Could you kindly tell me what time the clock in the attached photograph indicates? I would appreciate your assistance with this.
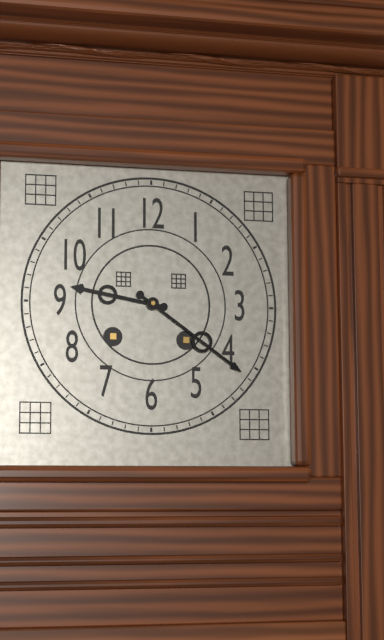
9:21
